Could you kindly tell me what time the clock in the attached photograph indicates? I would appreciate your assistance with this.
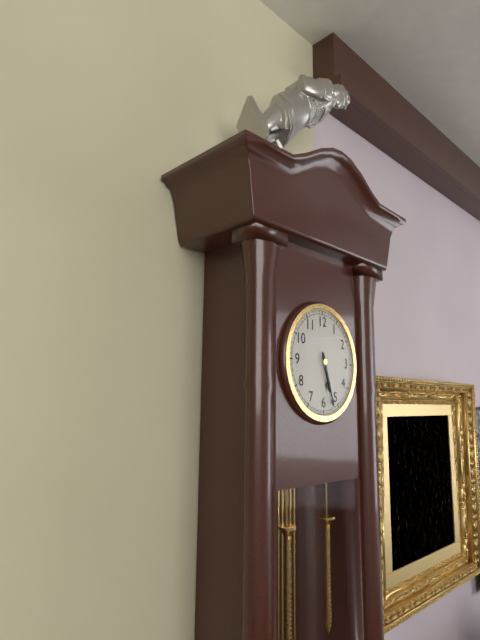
5:27
